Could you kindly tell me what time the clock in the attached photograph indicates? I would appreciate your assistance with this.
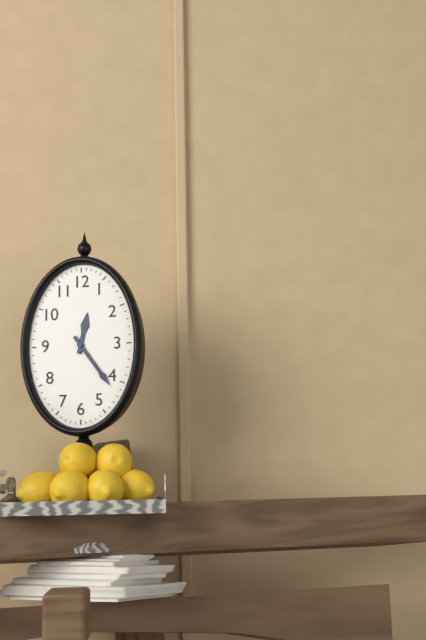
12:24
